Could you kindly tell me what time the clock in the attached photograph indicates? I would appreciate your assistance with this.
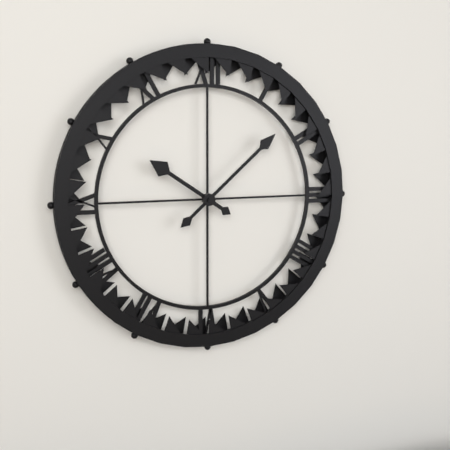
10:08
